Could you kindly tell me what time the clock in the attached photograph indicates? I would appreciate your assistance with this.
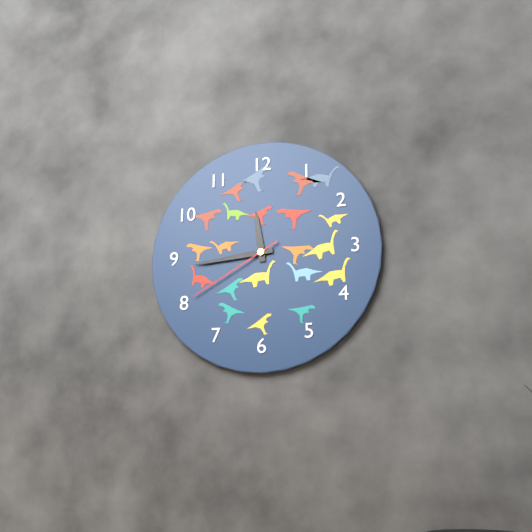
11:44:40
